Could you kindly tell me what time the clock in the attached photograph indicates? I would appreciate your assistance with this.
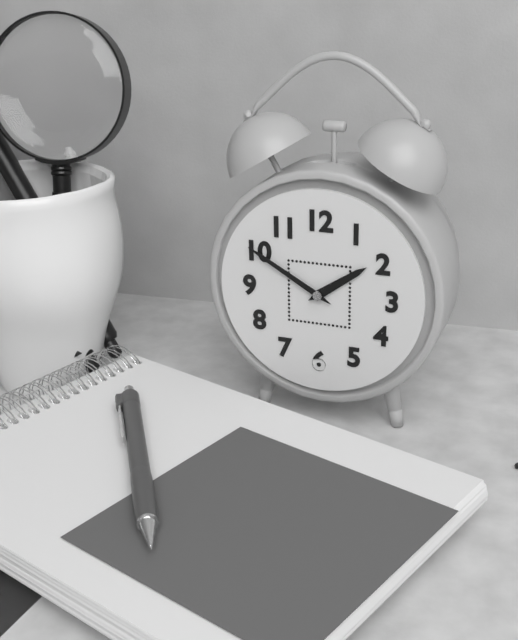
1:50
